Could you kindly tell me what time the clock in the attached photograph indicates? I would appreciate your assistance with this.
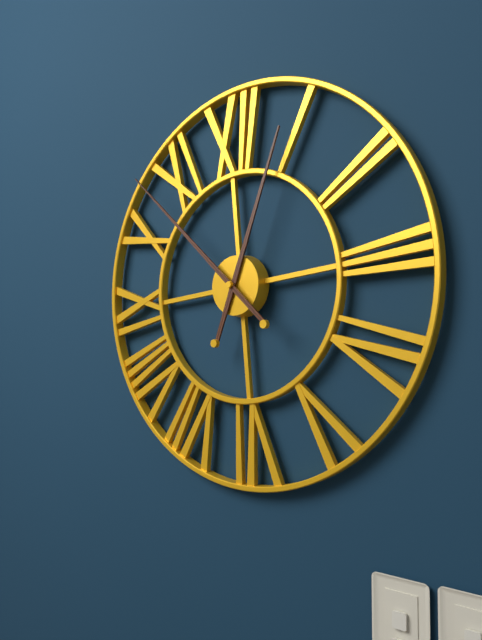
12:53
